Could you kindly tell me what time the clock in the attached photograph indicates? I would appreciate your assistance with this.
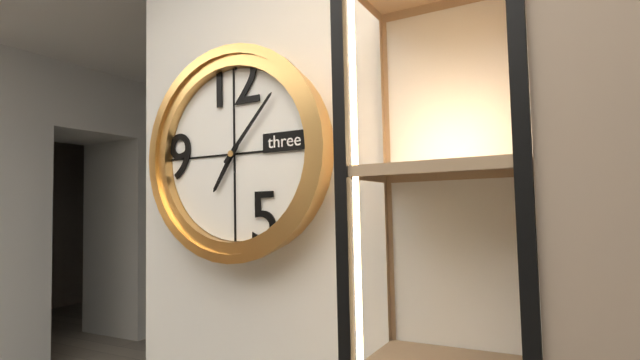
7:07
